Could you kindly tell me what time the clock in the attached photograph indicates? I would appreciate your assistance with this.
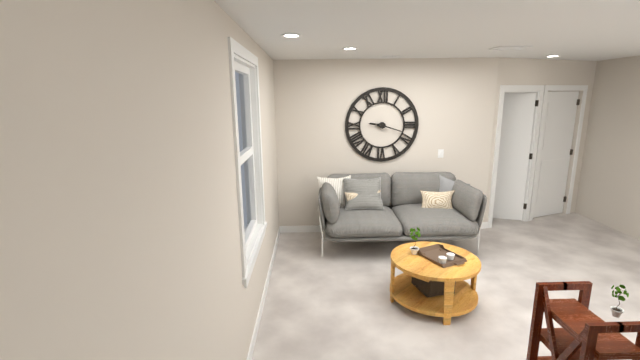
9:18
